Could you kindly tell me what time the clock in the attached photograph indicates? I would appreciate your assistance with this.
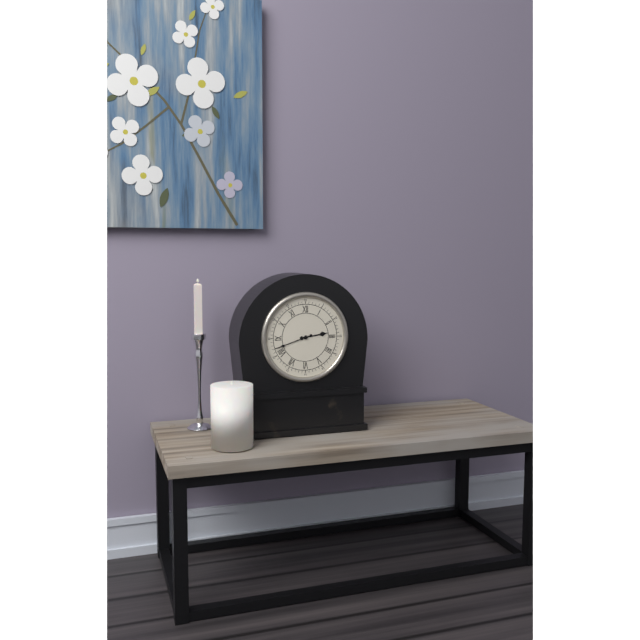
2:42
